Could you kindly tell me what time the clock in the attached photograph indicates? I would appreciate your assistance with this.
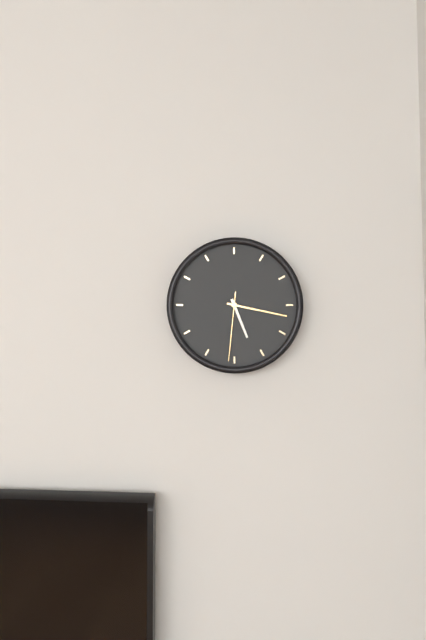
5:17:31
